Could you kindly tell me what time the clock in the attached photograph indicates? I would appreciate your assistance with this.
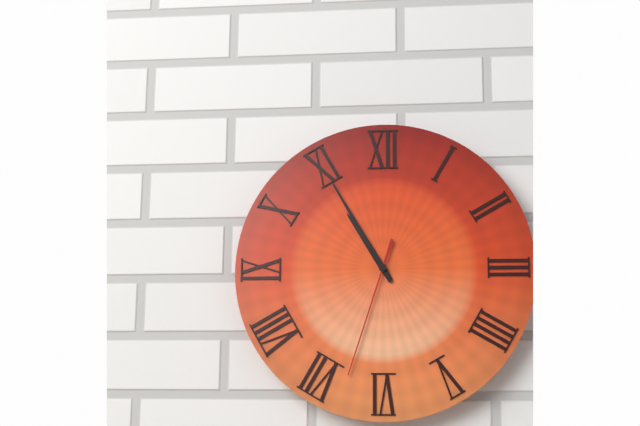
10:55:33
